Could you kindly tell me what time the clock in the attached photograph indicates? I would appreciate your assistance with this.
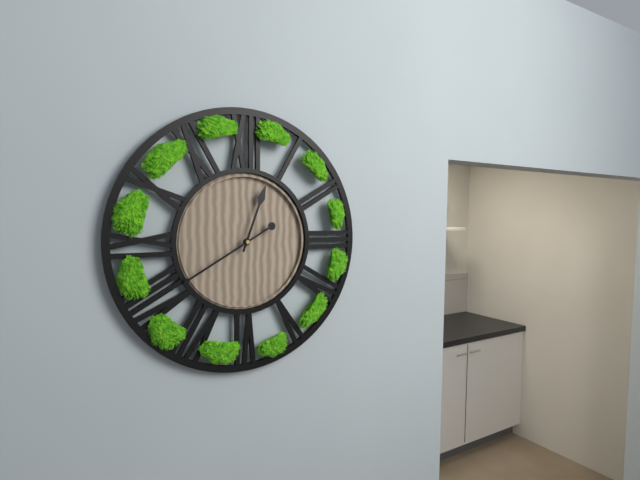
12:40
